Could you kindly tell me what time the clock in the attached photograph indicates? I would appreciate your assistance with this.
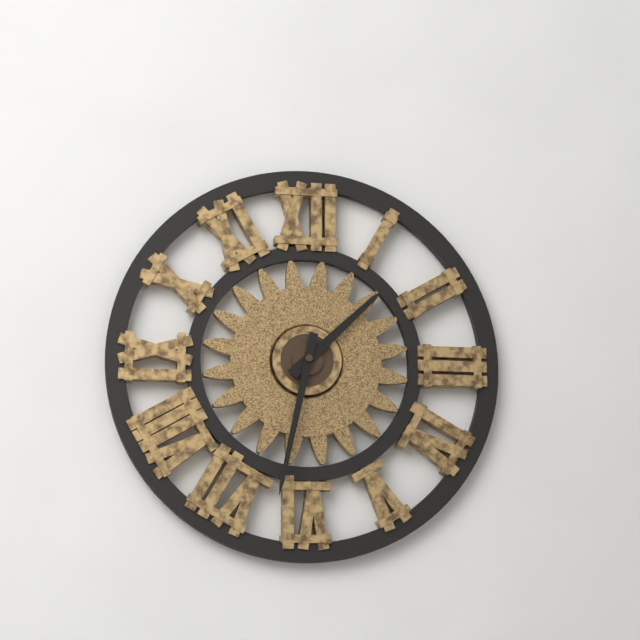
1:32
